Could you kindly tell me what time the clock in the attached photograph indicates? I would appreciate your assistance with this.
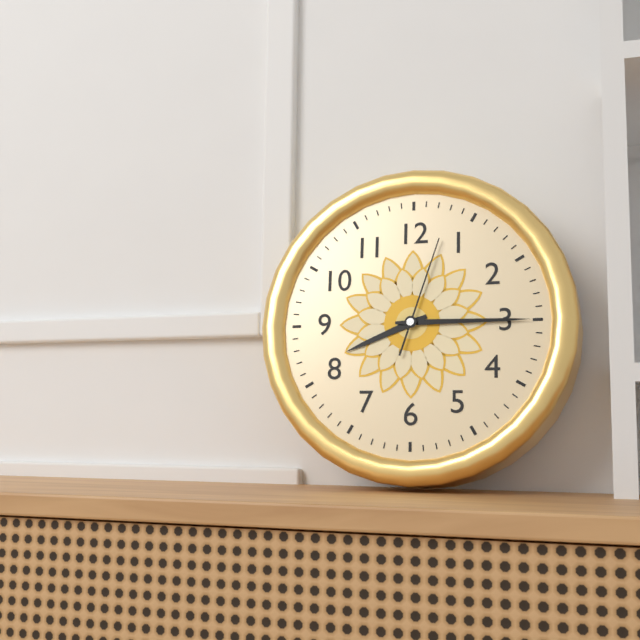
8:15:03
